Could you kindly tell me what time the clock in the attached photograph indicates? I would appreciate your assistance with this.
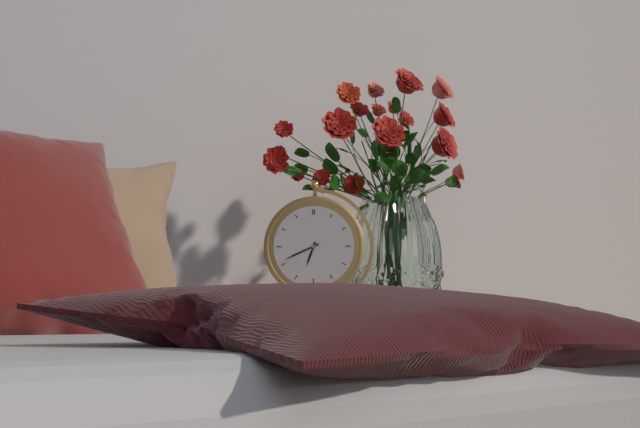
6:41
